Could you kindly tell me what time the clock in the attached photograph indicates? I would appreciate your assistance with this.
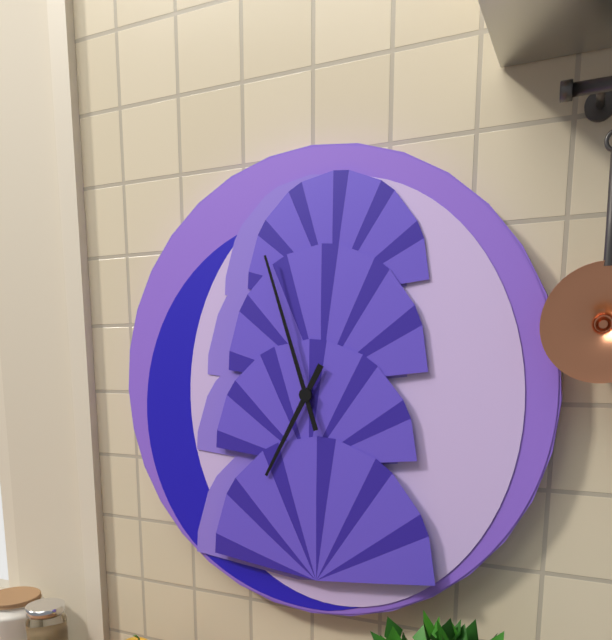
6:57
